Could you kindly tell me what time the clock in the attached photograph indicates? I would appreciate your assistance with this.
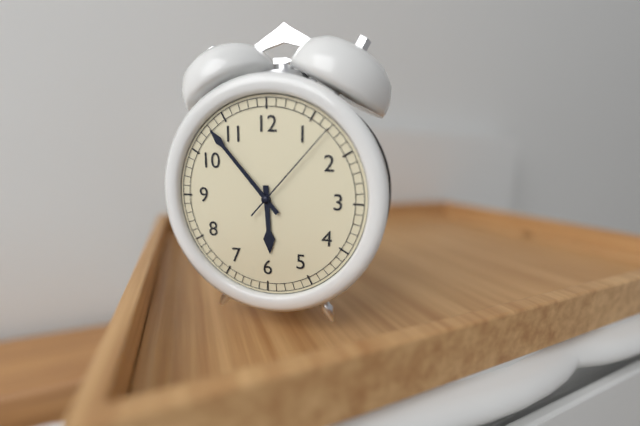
5:53:07
